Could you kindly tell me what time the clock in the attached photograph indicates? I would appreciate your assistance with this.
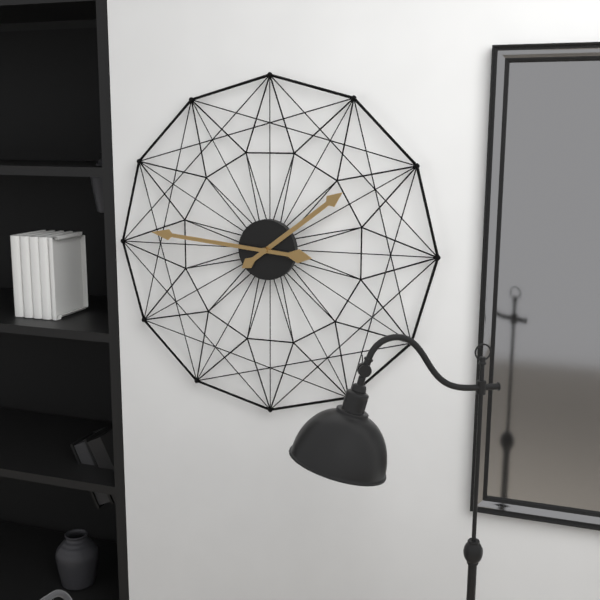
1:46
